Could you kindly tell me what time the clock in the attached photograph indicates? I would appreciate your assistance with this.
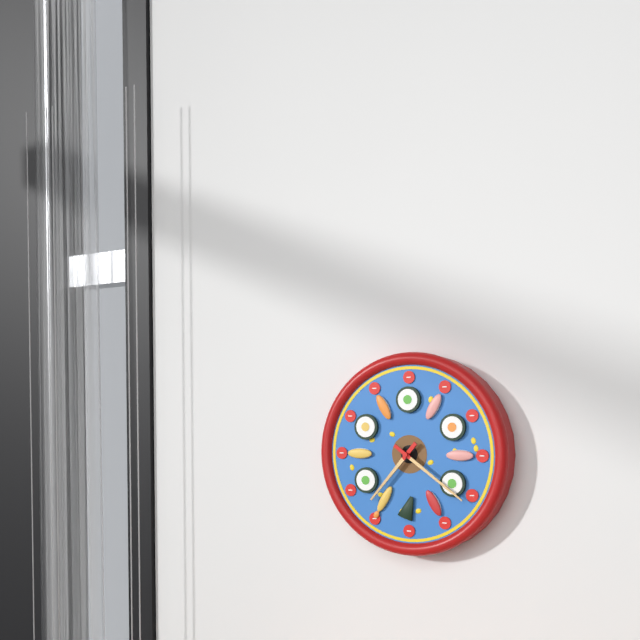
7:21
